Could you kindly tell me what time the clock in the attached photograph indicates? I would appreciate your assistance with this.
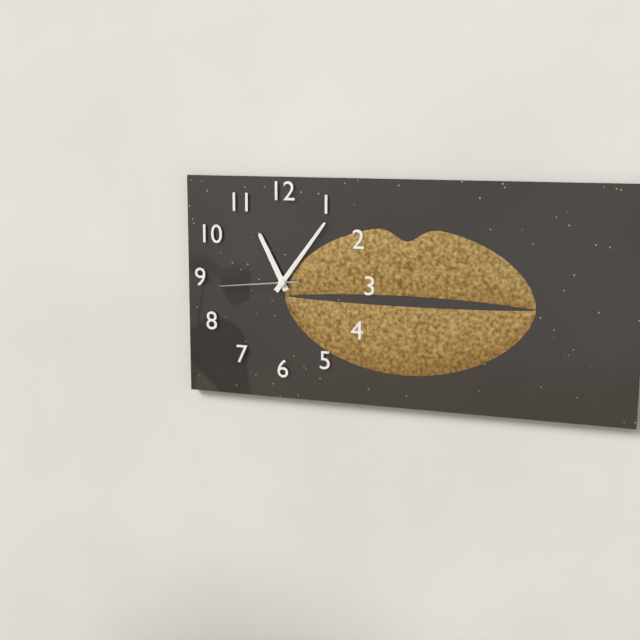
11:06:44
